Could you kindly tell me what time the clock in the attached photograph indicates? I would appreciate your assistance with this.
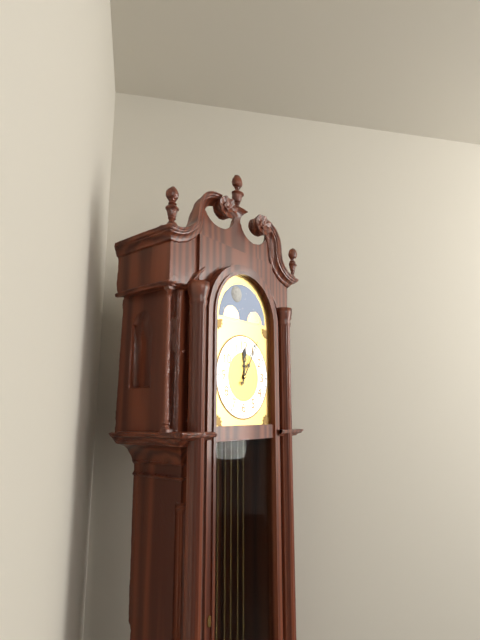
12:05
